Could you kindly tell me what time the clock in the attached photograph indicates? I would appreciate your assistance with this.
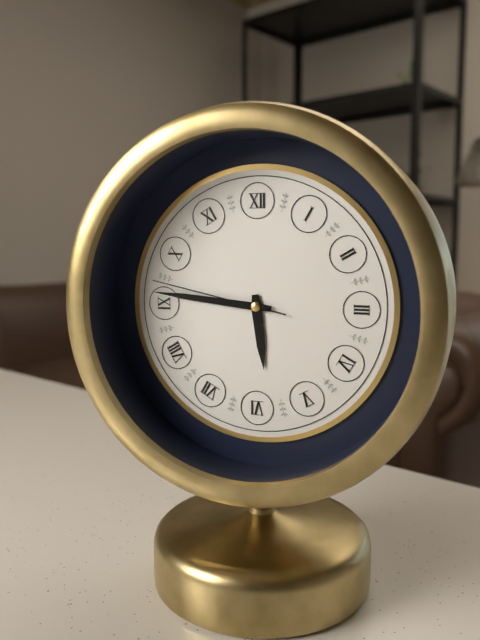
5:46:47
